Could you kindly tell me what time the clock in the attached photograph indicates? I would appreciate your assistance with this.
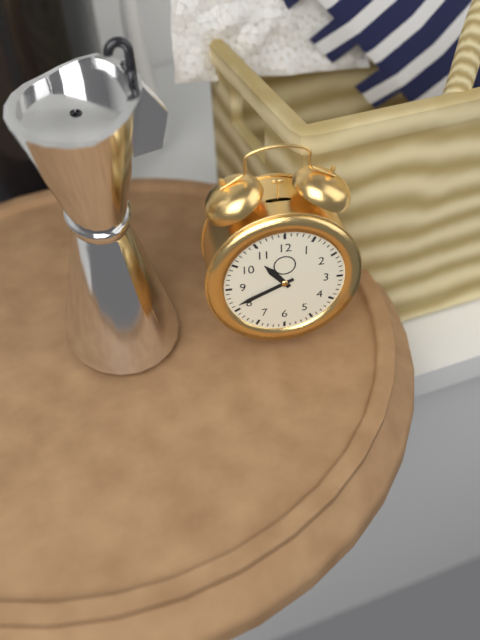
10:41
